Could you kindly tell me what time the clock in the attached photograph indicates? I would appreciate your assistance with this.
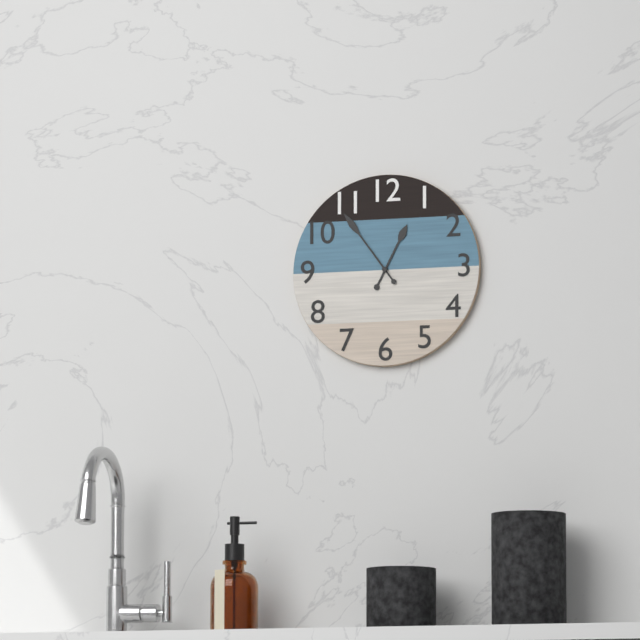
12:54
